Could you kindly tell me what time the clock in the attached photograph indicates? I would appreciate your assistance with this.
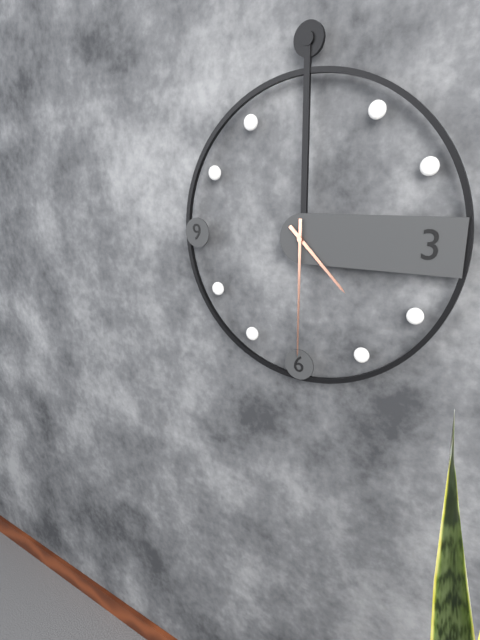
4:30
